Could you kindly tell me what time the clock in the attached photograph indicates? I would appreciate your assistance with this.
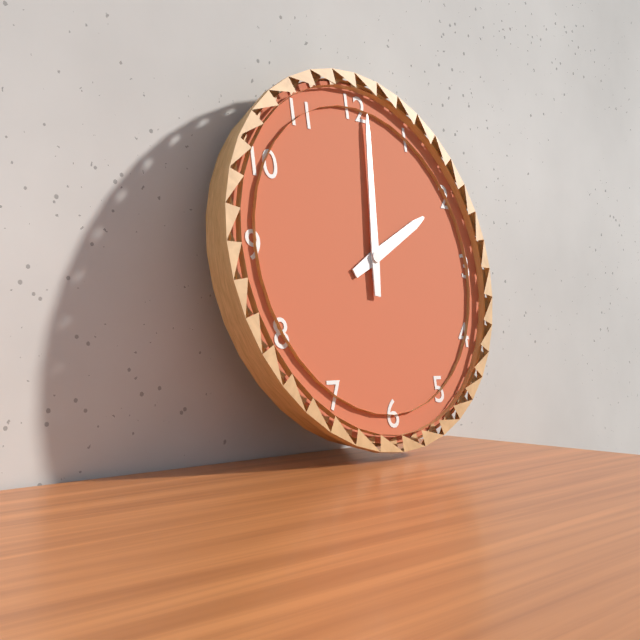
2:01
